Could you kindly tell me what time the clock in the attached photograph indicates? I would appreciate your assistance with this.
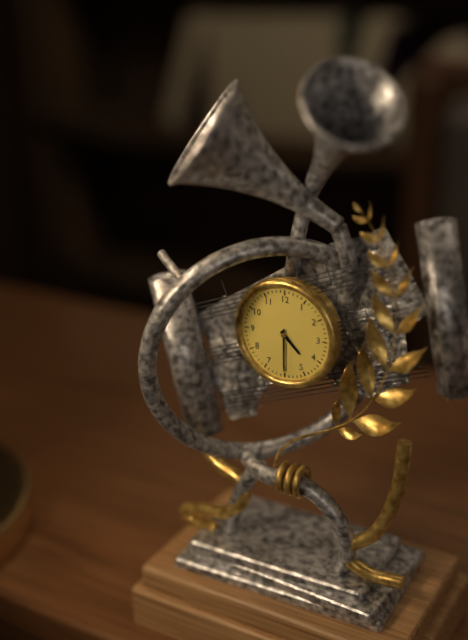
4:30
